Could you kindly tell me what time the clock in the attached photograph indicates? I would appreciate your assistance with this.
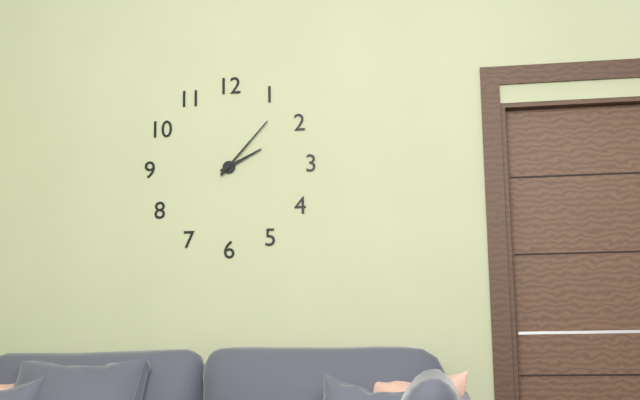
2:07
